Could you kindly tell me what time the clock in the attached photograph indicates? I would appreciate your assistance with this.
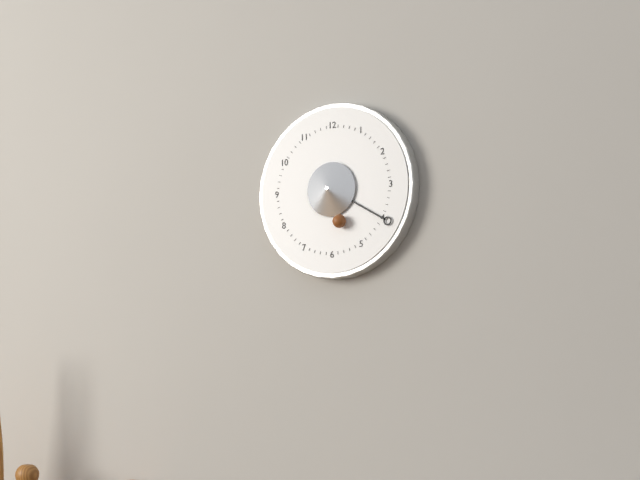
5:20
